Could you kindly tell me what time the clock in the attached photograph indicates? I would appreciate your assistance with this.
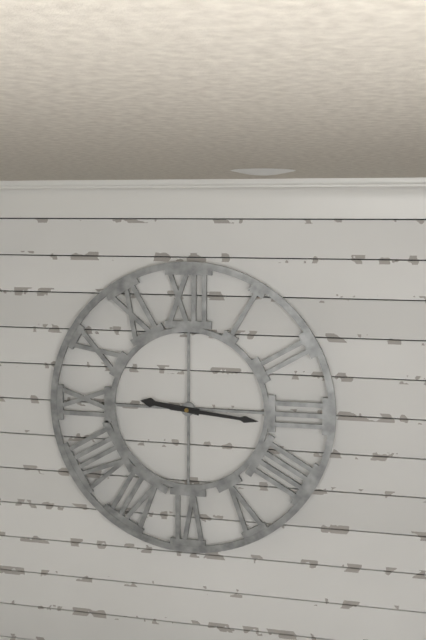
9:16
